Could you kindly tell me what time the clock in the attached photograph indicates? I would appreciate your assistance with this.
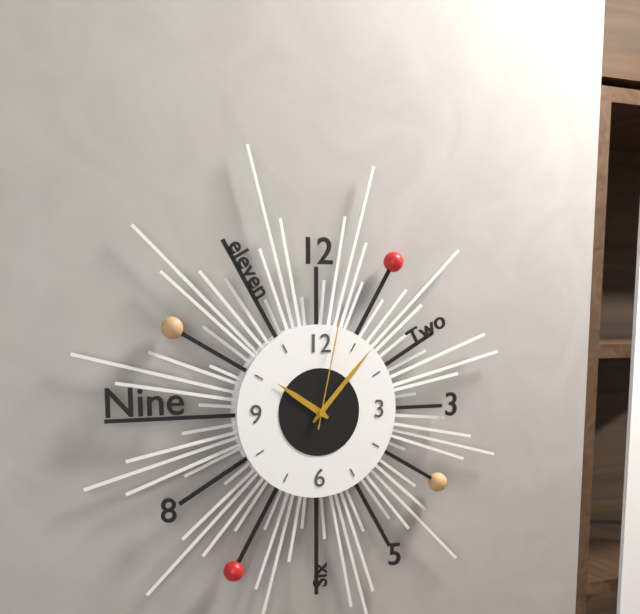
10:07:02
